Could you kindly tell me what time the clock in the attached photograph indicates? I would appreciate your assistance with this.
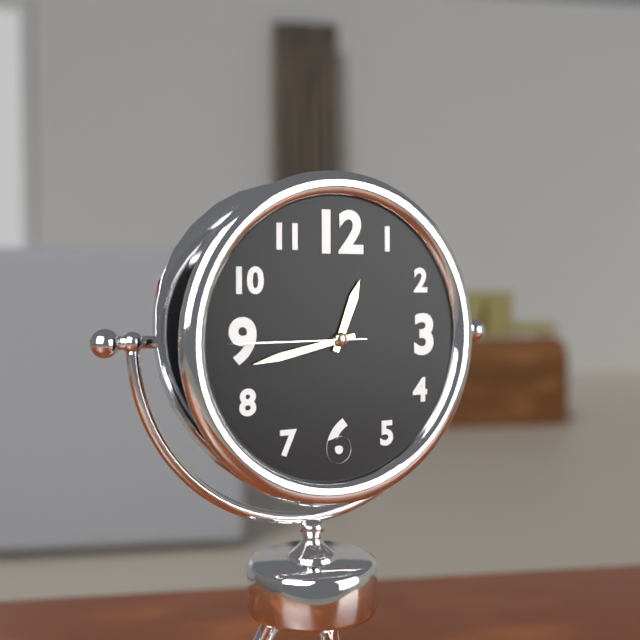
12:43:45
